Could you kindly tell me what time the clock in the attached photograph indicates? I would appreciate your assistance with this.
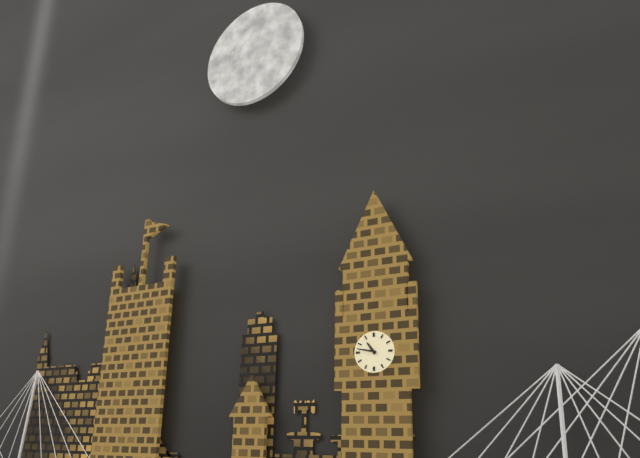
10:47
